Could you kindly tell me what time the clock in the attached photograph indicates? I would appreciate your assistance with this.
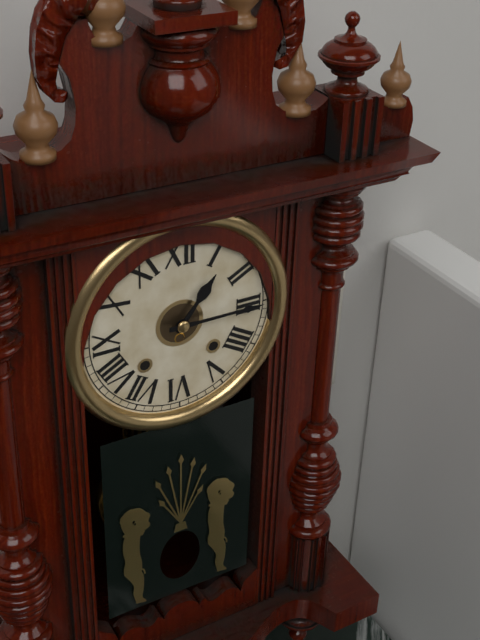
1:15
